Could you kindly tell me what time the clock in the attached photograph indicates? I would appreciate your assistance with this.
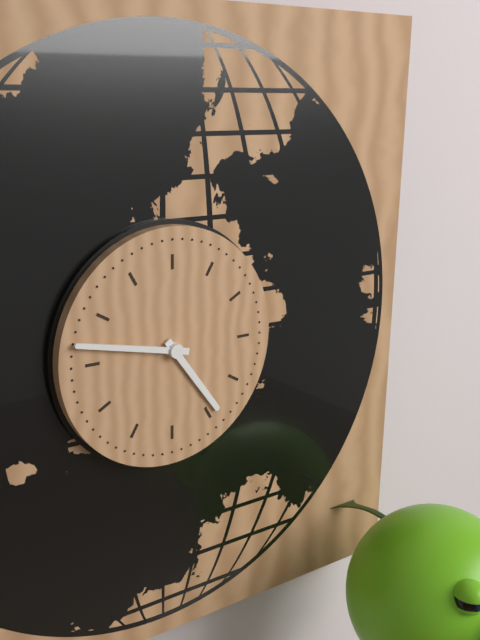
4:47
